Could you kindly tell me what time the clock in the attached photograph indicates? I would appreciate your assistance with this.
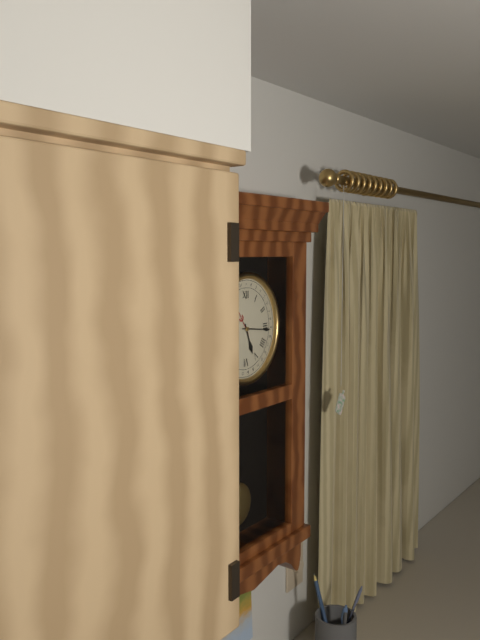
5:16
